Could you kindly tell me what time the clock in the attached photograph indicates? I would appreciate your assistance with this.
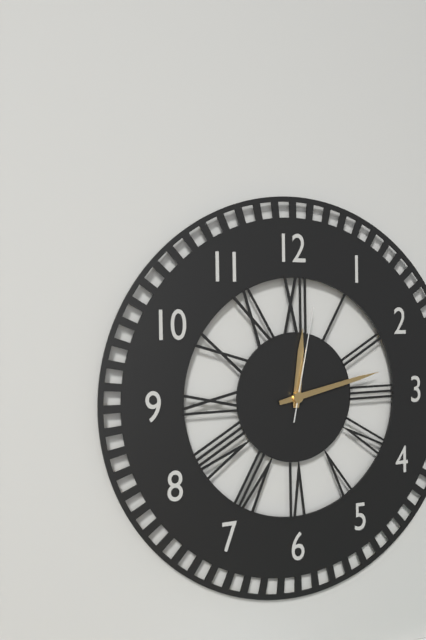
12:13:02
